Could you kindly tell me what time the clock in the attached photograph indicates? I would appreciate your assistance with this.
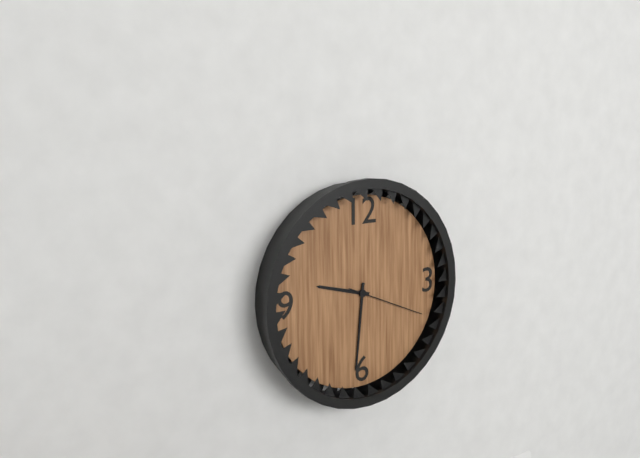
9:31:19
